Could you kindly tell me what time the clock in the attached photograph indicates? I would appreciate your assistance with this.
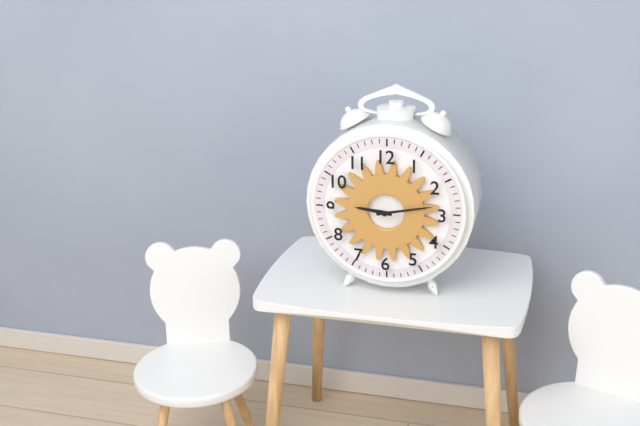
9:13
